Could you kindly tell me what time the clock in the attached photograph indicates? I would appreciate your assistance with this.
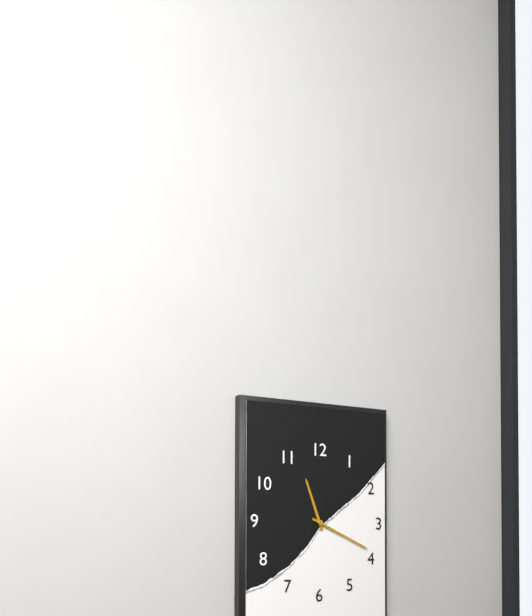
11:19
